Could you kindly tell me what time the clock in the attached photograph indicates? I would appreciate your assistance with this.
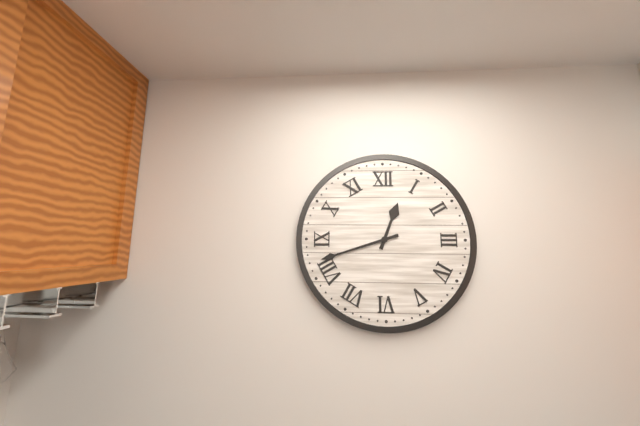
12:42
